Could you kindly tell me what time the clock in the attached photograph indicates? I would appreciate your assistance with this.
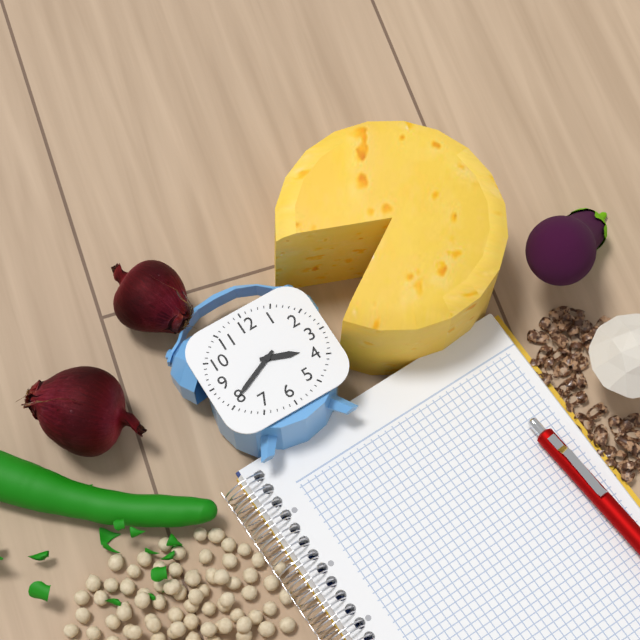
3:41
